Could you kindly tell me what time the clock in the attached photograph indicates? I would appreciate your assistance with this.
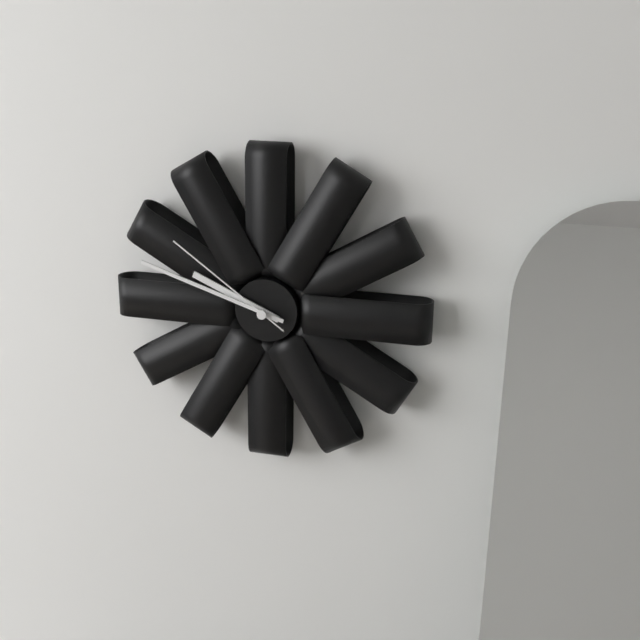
9:48:51
